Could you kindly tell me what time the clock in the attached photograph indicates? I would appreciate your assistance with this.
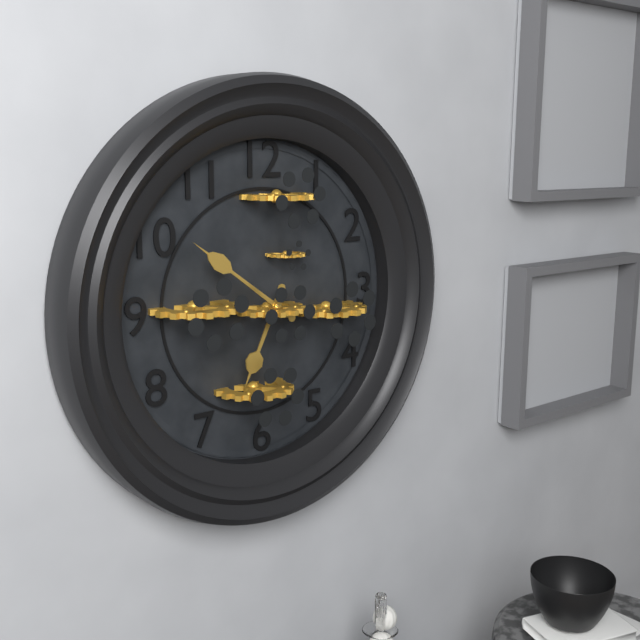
6:51
